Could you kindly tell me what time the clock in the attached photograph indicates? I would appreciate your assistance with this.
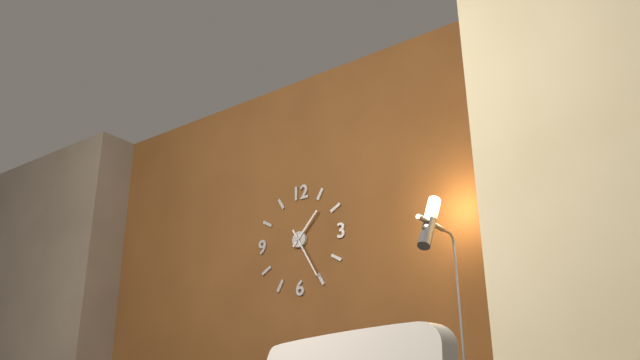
1:25
